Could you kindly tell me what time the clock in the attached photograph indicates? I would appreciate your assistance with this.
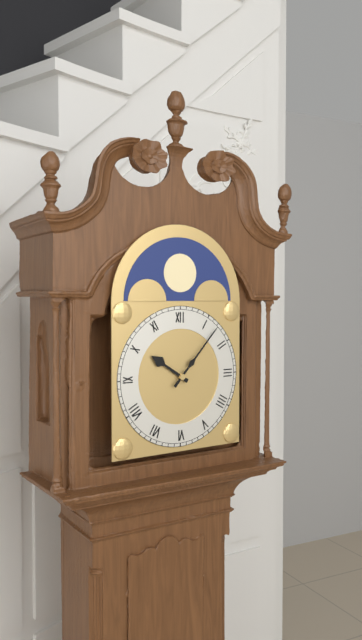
10:07
